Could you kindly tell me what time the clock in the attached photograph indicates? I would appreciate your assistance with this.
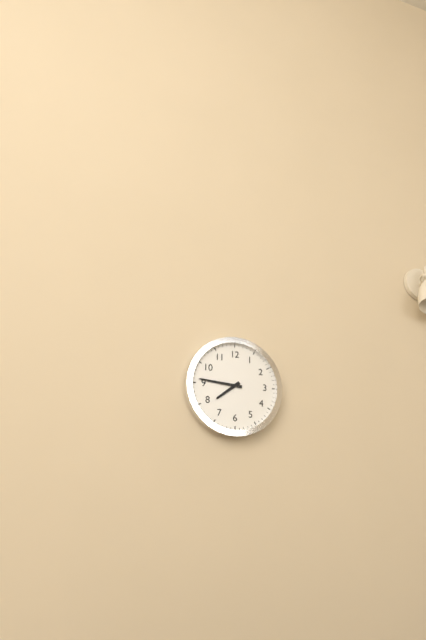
7:46
